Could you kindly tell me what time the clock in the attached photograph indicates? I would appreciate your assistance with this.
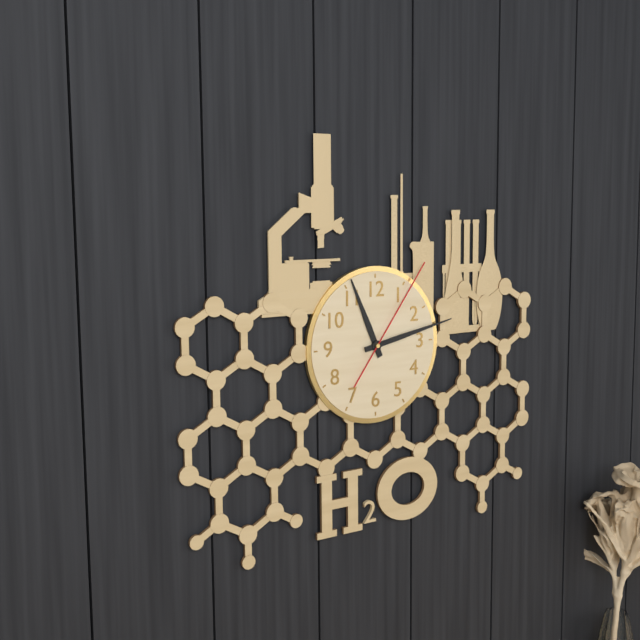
11:13:06
